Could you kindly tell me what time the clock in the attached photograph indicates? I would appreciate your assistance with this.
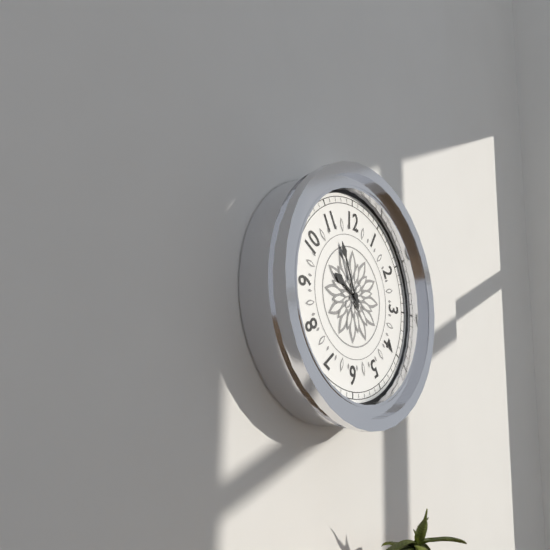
9:56
